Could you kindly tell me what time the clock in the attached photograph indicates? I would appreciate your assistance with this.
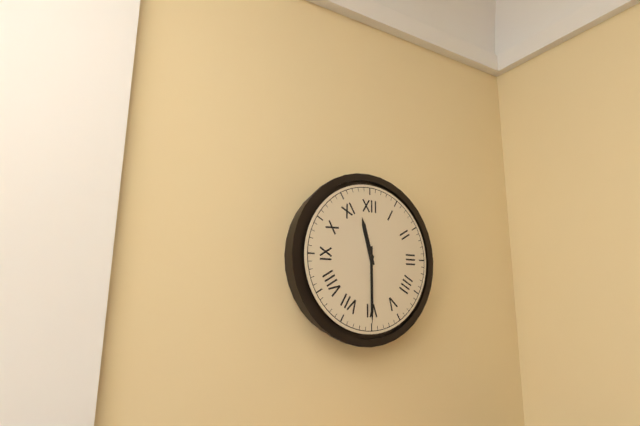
11:30
